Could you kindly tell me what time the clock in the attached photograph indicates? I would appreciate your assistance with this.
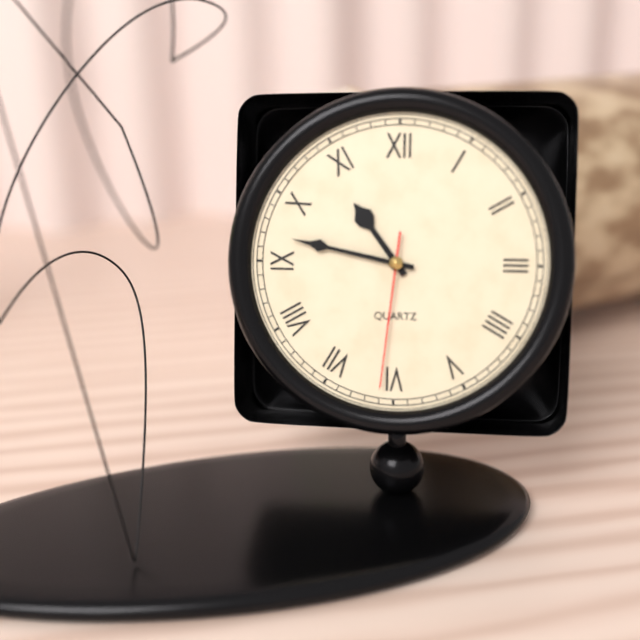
10:47:31
